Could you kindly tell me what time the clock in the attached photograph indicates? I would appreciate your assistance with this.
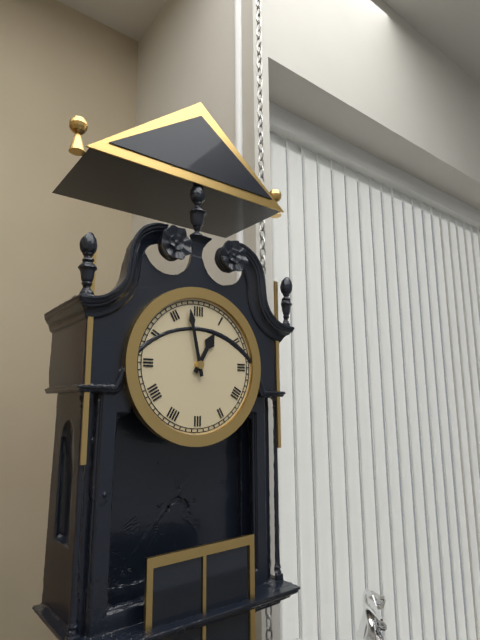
12:58
